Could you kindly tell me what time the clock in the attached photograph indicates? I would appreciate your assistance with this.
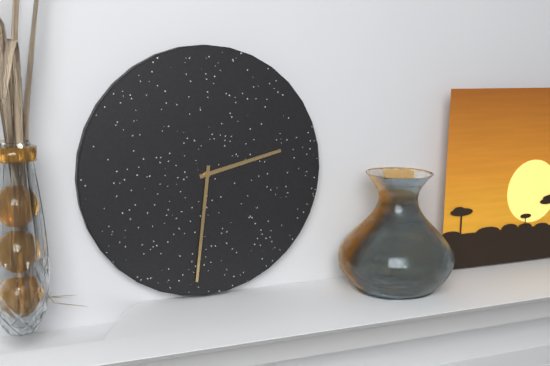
2:31
